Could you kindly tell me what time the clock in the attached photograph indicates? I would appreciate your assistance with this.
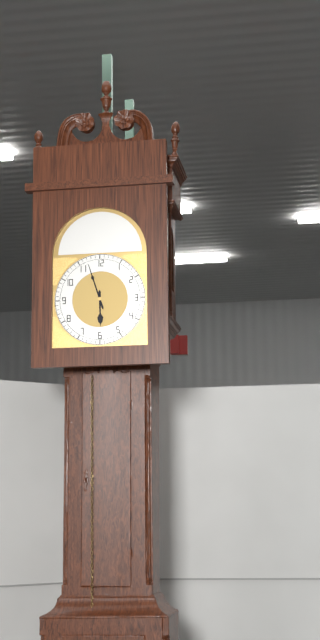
5:57
